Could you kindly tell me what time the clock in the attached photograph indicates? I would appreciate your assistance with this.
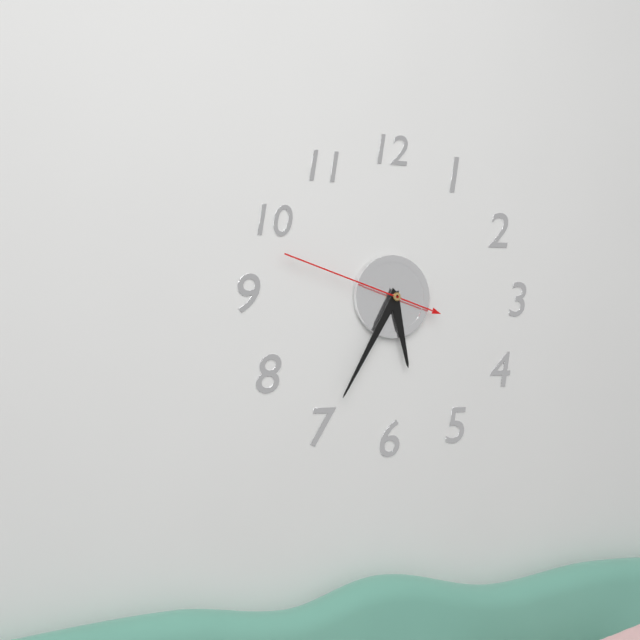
5:35:48
